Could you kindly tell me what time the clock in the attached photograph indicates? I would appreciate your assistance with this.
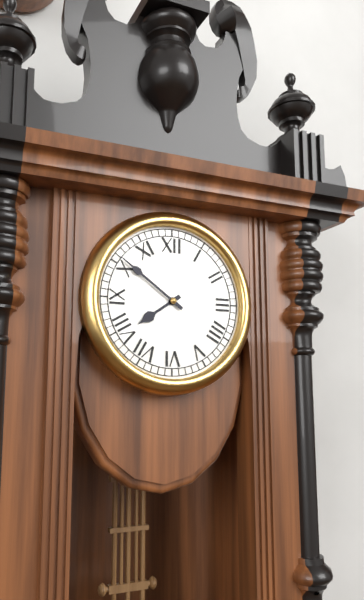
7:51
